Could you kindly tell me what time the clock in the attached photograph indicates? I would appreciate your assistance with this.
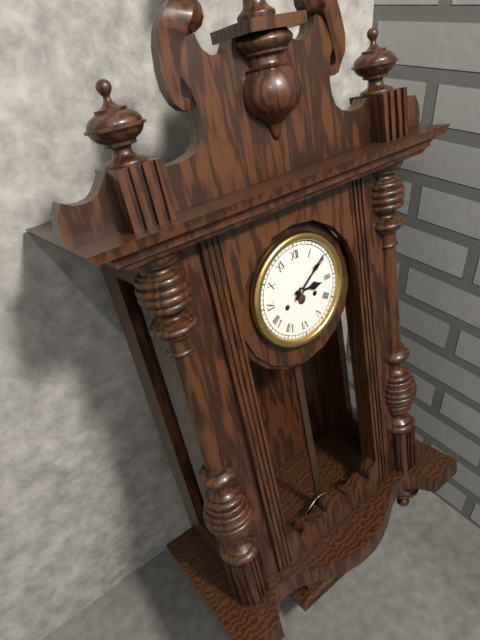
3:09
